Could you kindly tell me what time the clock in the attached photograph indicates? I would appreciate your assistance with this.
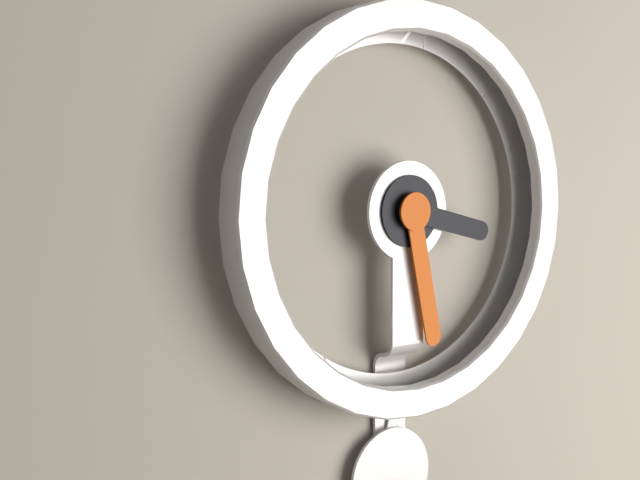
3:28
